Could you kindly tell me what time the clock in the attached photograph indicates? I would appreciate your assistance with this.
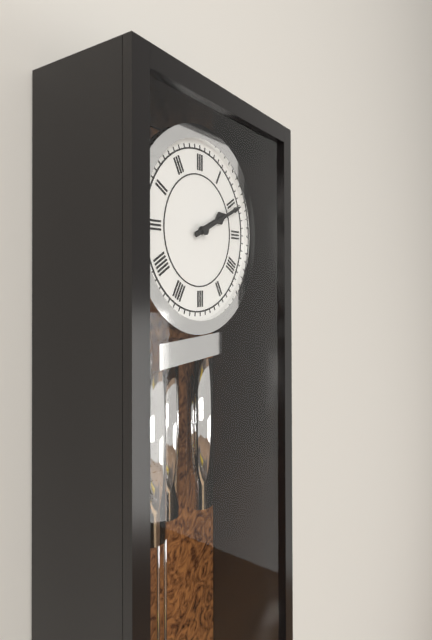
2:11
